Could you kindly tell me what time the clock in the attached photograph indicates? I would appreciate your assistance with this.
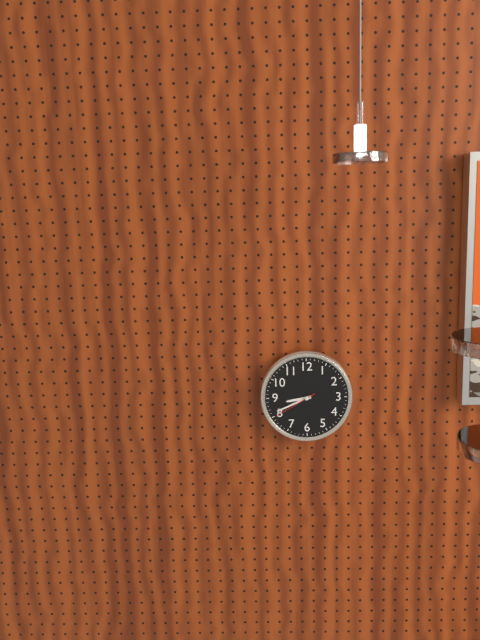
8:41
